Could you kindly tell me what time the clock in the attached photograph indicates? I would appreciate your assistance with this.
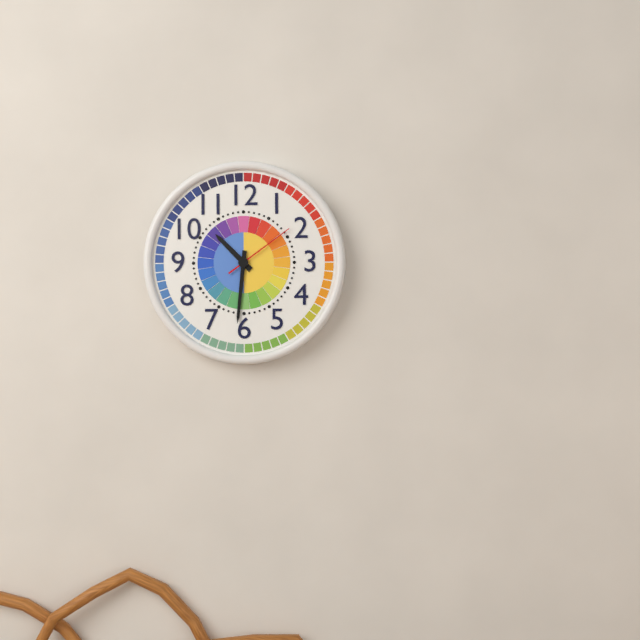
10:31:09
